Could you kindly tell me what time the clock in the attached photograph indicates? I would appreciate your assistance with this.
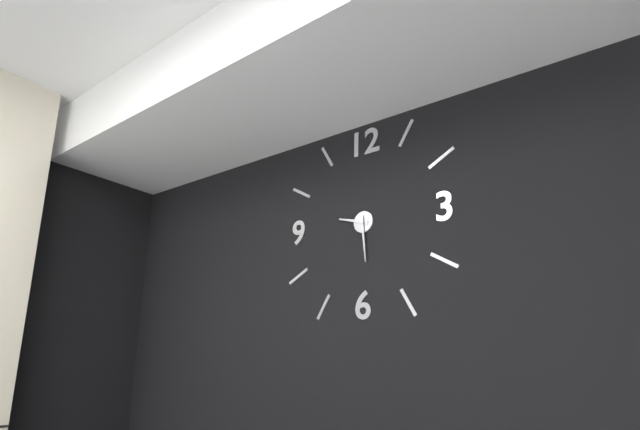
9:29
